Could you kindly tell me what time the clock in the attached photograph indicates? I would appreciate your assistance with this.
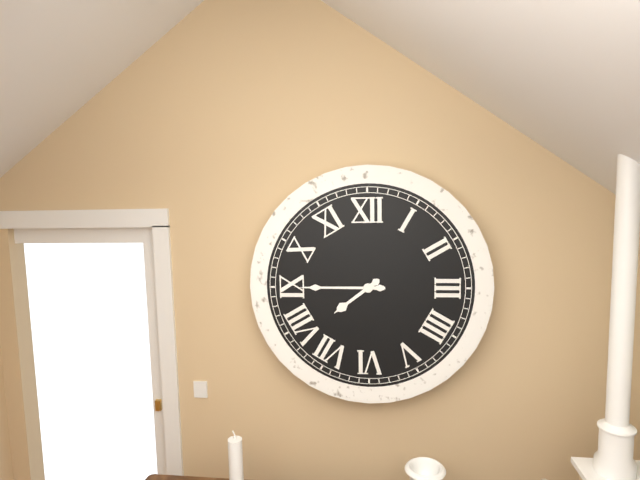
7:45
